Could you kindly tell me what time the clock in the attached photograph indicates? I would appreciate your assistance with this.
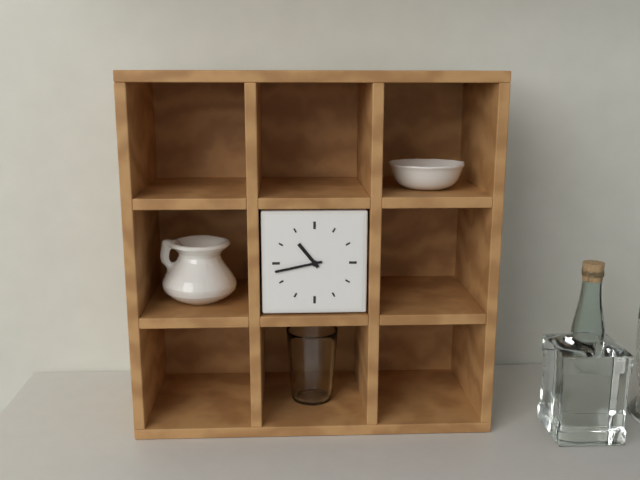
10:43
